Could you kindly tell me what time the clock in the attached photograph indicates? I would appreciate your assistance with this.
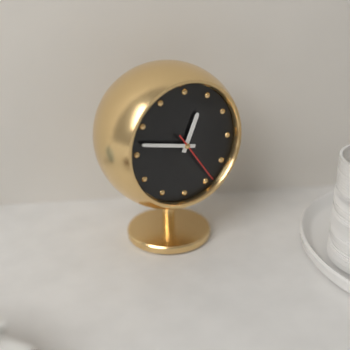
12:47:24
